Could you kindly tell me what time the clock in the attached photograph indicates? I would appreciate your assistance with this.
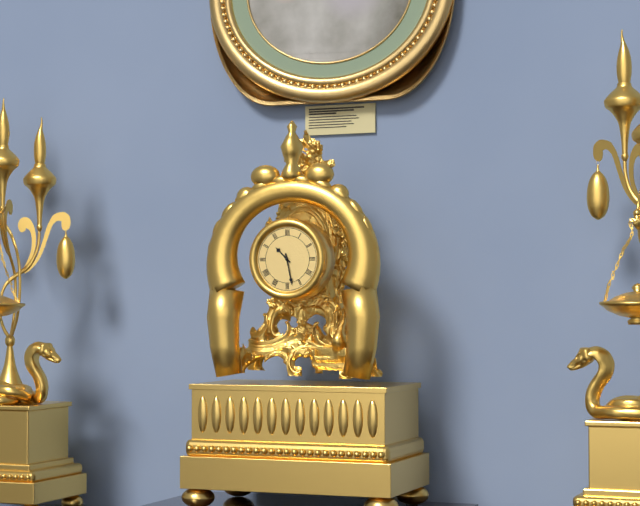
10:28
